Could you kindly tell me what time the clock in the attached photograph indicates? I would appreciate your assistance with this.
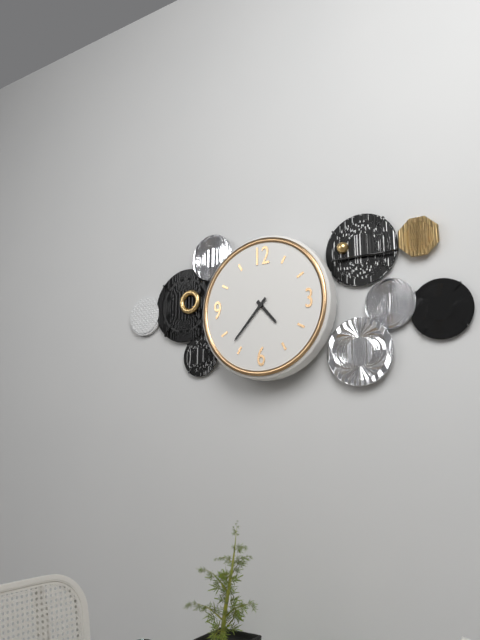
4:37
